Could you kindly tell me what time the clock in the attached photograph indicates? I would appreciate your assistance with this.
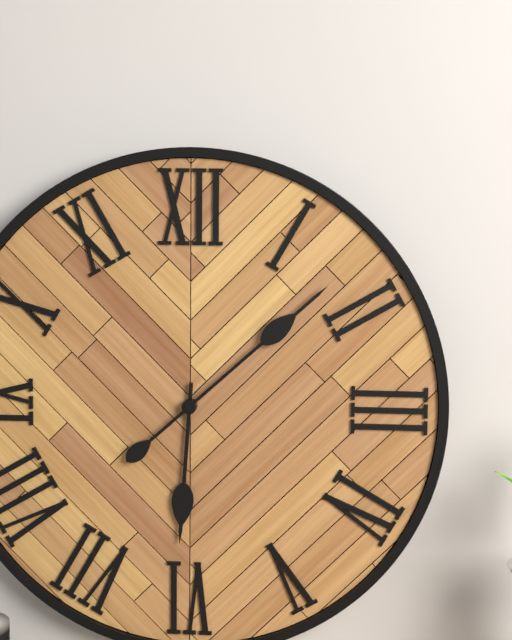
6:08
